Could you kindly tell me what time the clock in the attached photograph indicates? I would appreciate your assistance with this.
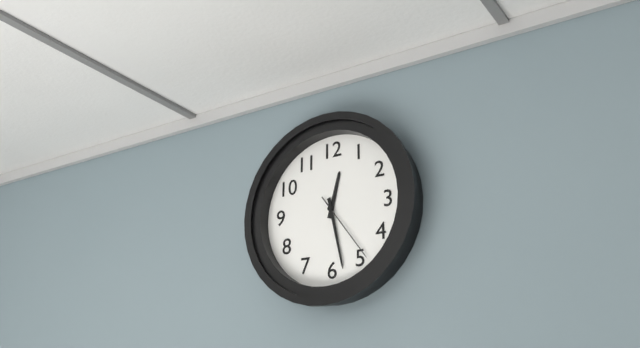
12:28:24
